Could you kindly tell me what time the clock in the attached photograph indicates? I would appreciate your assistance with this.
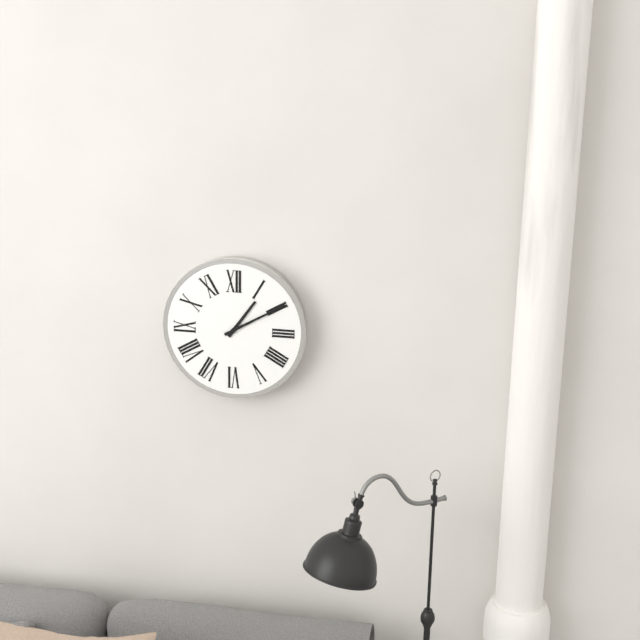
1:10
